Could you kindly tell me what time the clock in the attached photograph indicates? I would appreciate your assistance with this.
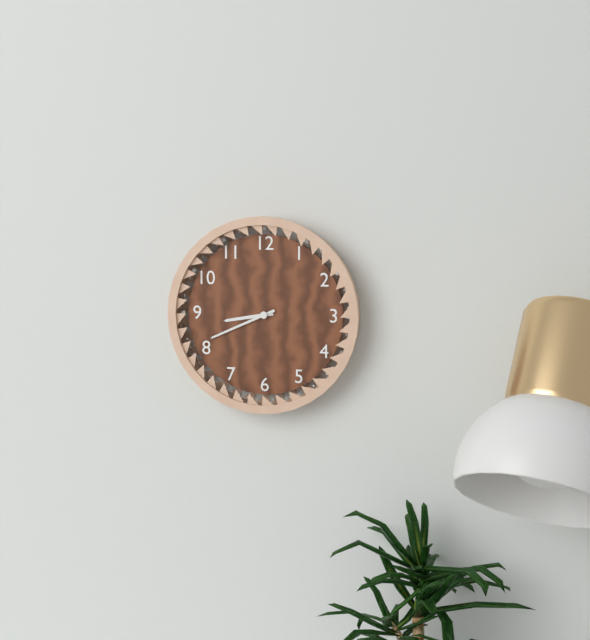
8:41
